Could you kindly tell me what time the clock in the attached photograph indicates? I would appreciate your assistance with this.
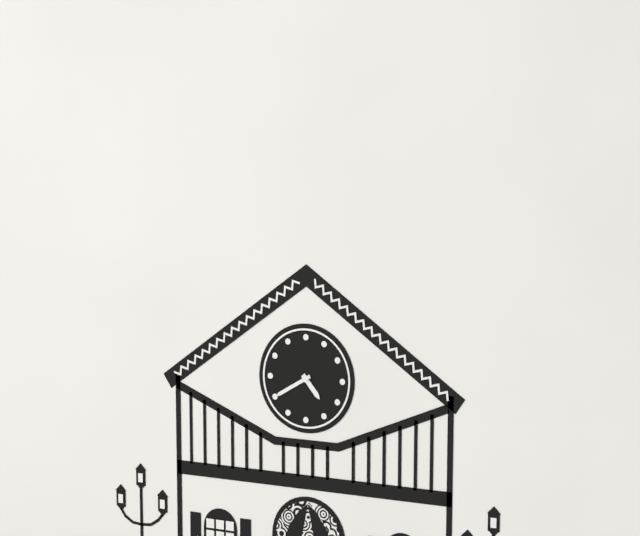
4:40
